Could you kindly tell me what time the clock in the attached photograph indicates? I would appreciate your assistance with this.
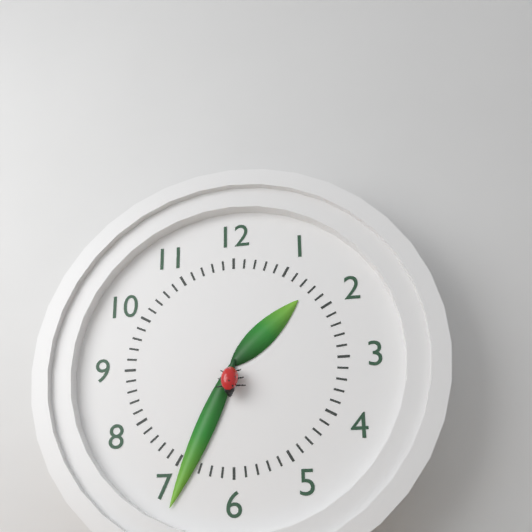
1:34
